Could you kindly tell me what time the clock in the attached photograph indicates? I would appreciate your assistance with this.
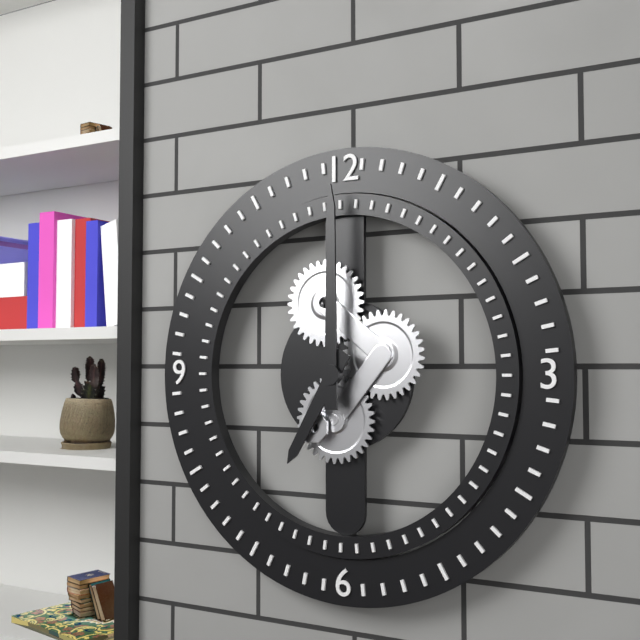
7:00
